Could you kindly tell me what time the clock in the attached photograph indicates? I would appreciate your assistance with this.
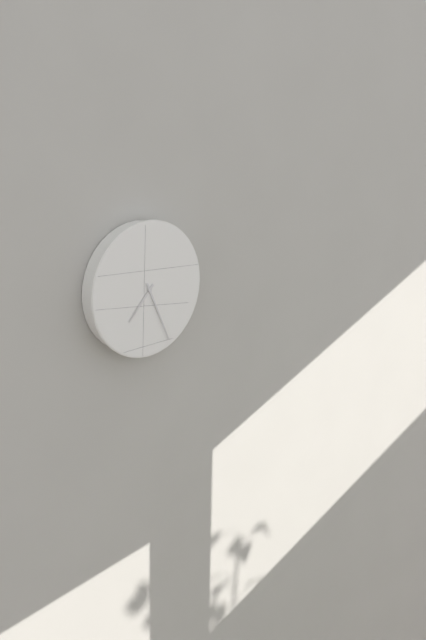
7:26
